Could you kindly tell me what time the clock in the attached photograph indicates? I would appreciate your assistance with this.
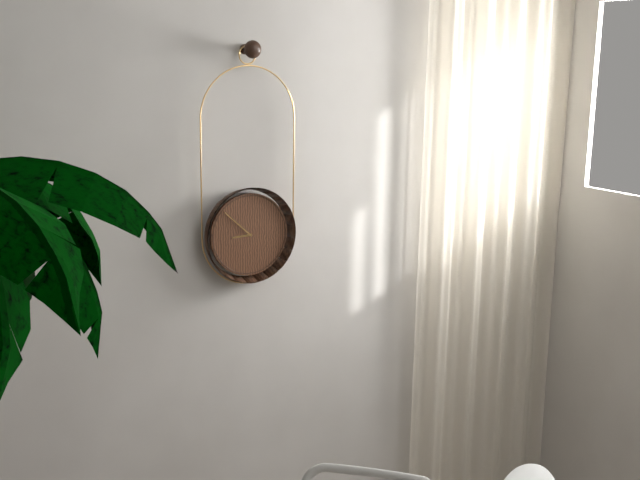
8:52
